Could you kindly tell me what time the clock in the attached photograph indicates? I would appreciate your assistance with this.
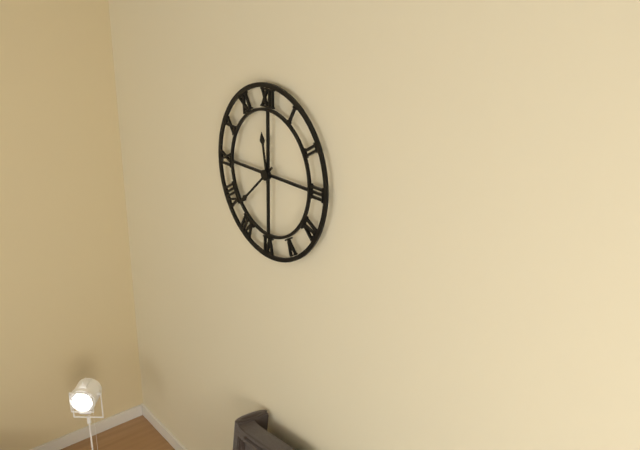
11:38
